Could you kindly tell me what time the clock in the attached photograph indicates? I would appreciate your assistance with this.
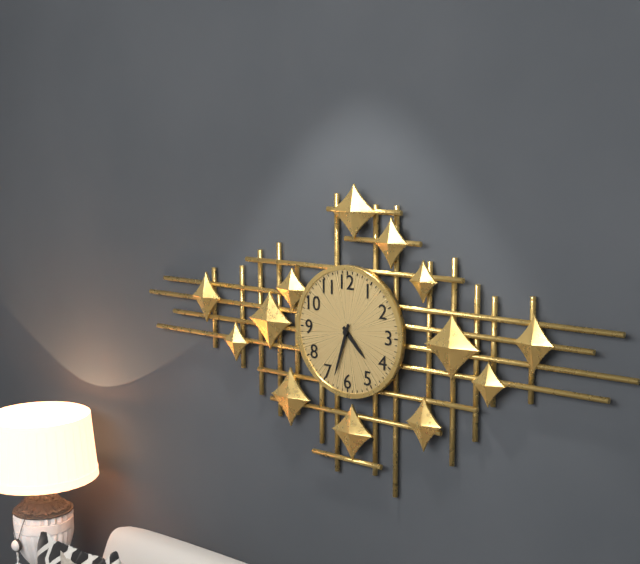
4:33
